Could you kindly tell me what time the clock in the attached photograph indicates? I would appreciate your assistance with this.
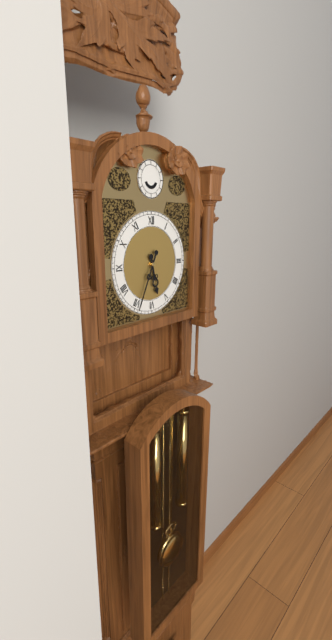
5:34
